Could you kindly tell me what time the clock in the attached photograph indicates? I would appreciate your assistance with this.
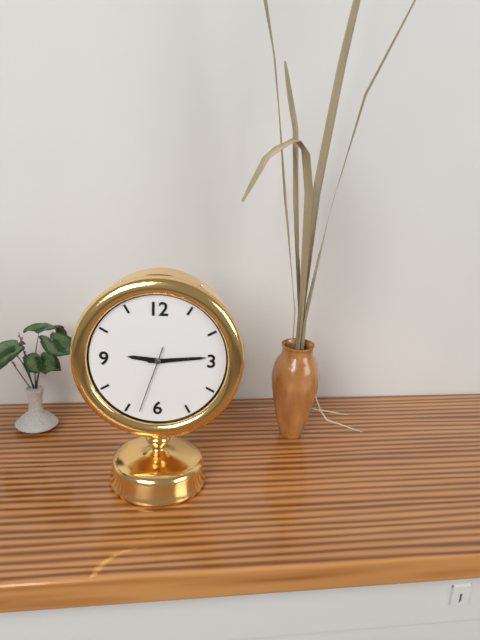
9:14:33
